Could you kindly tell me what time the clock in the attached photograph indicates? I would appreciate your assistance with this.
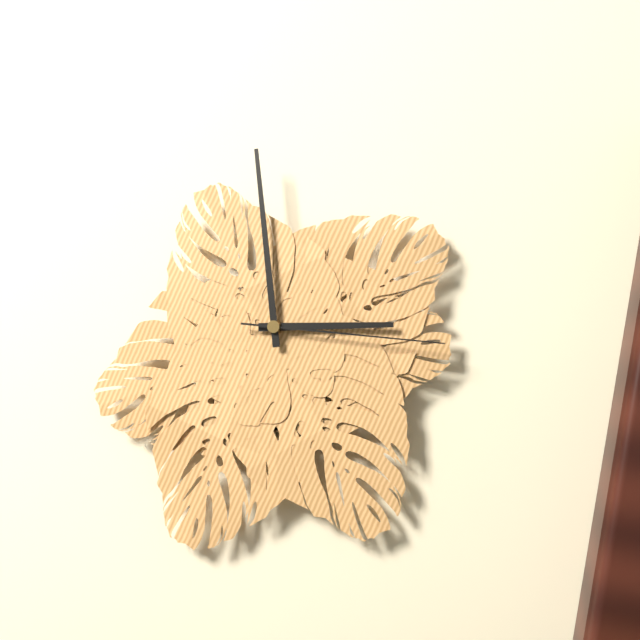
2:59:16
